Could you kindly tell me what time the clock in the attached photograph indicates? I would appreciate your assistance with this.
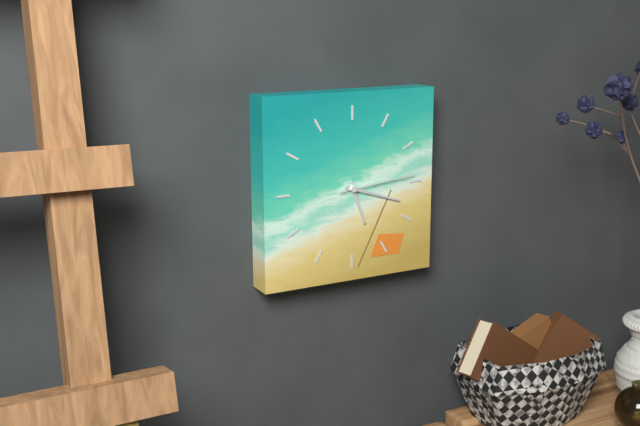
5:18:14
